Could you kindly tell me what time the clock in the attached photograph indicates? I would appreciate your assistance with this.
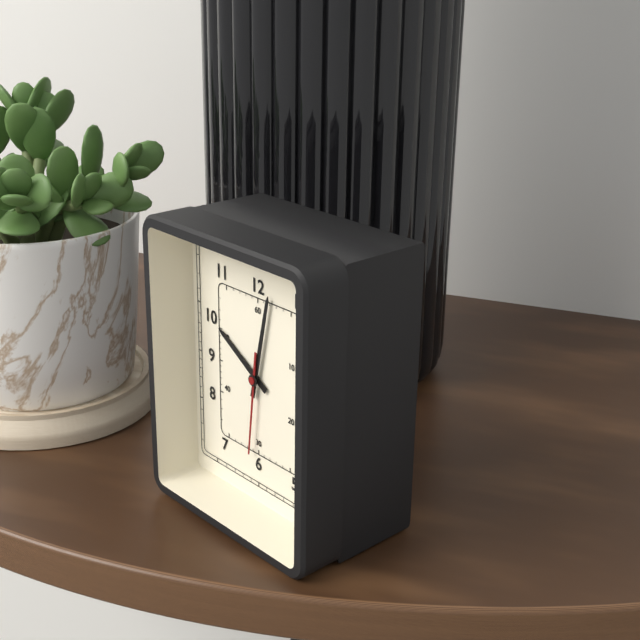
10:02:31
